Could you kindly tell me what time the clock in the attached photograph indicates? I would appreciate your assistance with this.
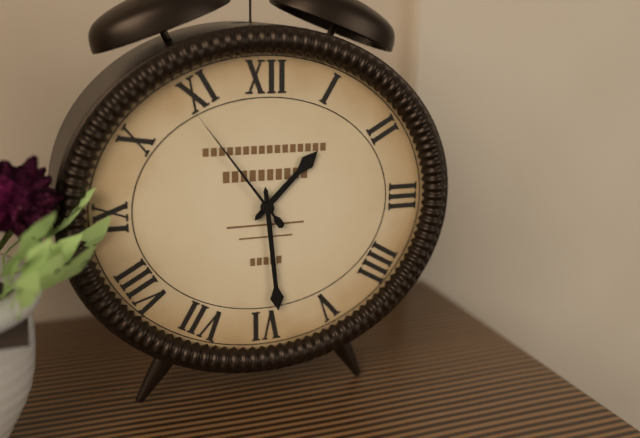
1:29:54
